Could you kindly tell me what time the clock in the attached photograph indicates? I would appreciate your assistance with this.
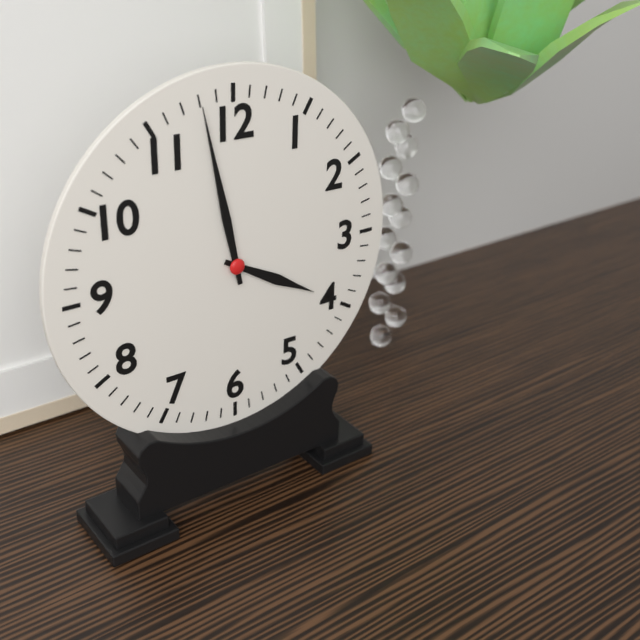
3:58
